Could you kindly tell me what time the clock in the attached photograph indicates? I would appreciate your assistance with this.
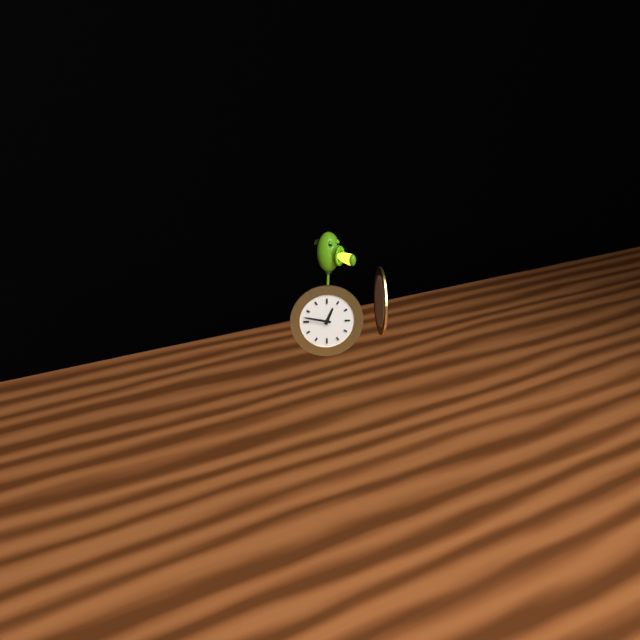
12:47
